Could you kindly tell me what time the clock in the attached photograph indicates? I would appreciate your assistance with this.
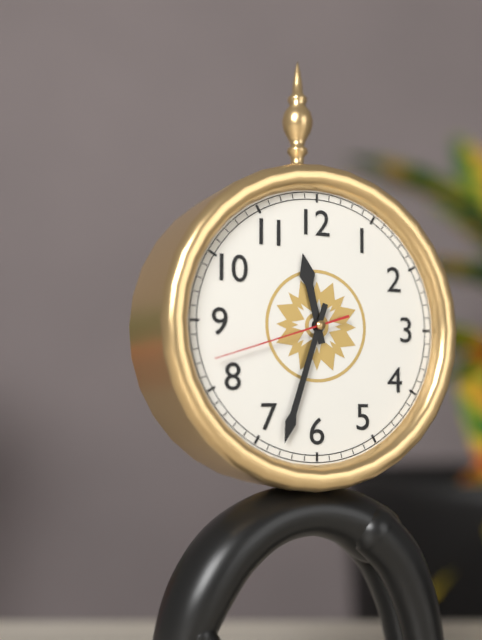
11:33:42
